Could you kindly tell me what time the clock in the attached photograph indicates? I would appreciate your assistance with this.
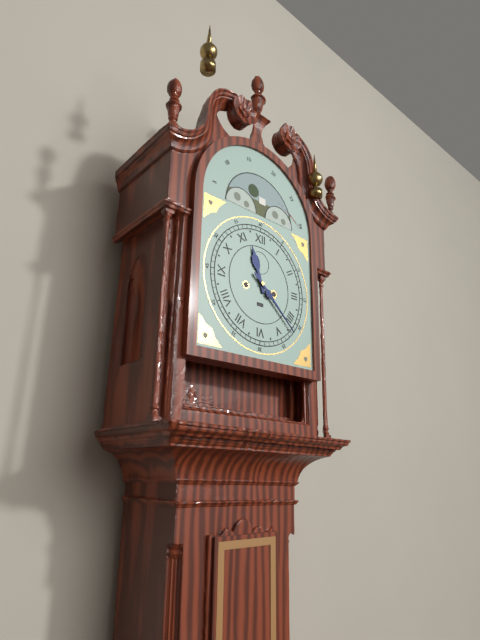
11:22
